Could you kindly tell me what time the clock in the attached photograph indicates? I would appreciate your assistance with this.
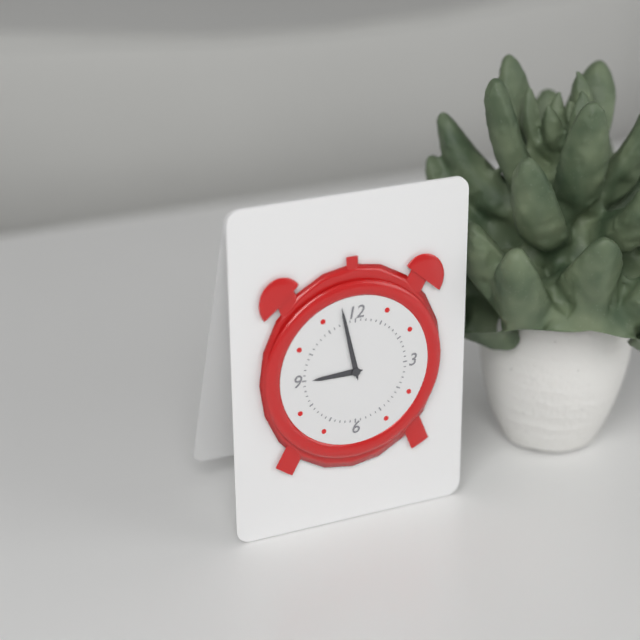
8:58
